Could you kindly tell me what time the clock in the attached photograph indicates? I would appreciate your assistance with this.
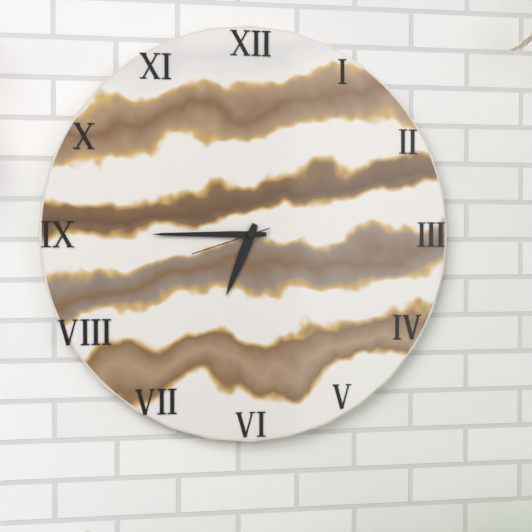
6:45:42
